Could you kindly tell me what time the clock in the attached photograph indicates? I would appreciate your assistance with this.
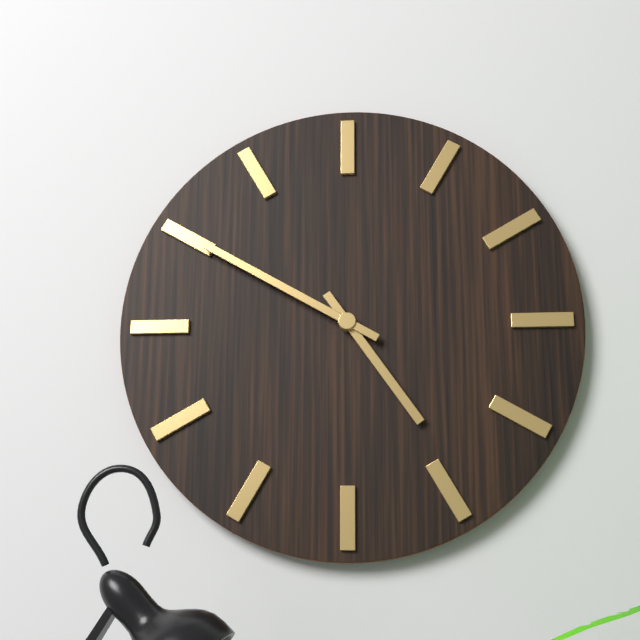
4:50
